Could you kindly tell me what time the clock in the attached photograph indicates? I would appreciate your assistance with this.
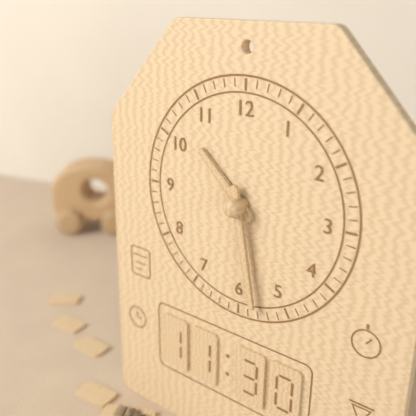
10:28
